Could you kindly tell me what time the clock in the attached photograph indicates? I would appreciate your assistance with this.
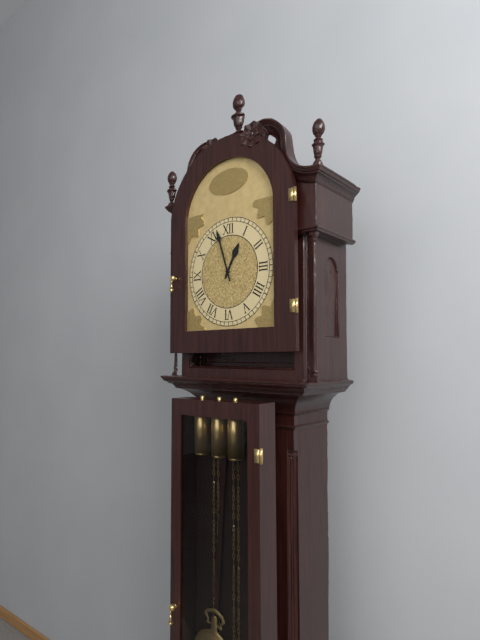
12:57
